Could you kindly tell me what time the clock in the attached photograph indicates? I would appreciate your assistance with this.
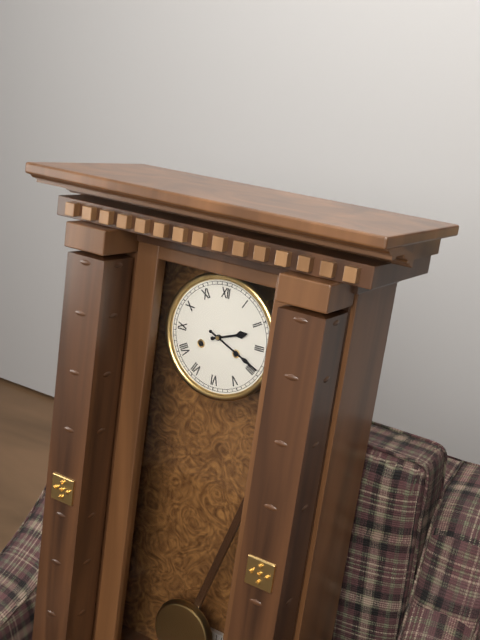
2:19
